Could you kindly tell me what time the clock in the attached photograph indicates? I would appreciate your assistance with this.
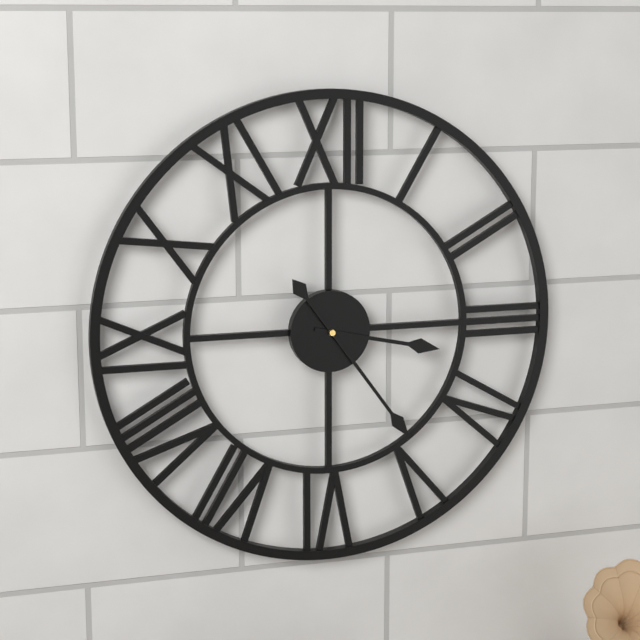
3:24
